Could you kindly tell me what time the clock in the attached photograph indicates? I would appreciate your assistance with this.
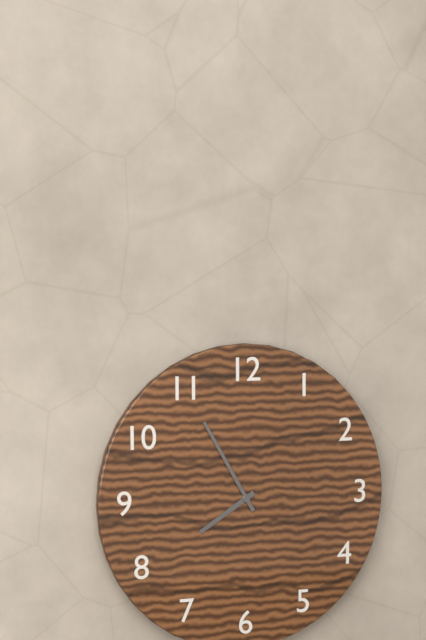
7:55
